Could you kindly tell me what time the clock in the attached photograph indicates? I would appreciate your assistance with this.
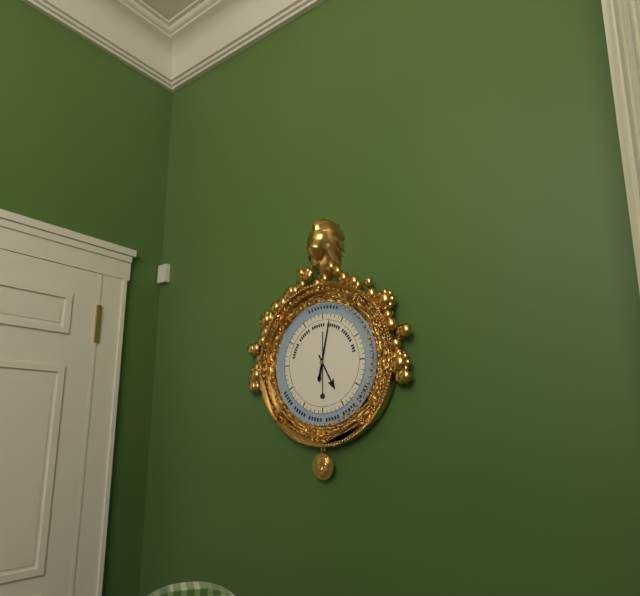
5:02
